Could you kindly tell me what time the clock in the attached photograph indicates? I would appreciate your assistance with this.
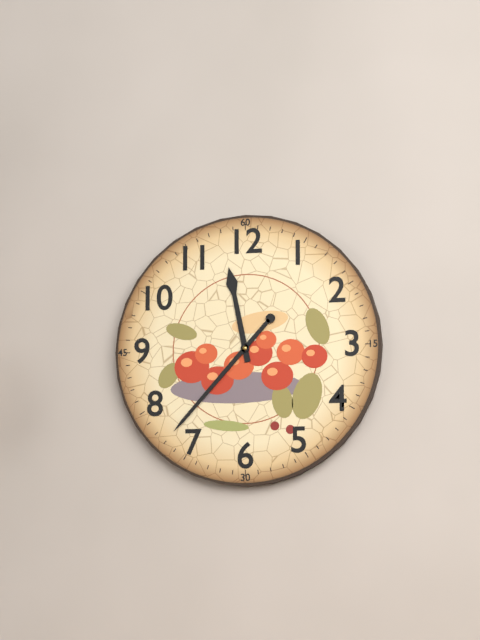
11:37
